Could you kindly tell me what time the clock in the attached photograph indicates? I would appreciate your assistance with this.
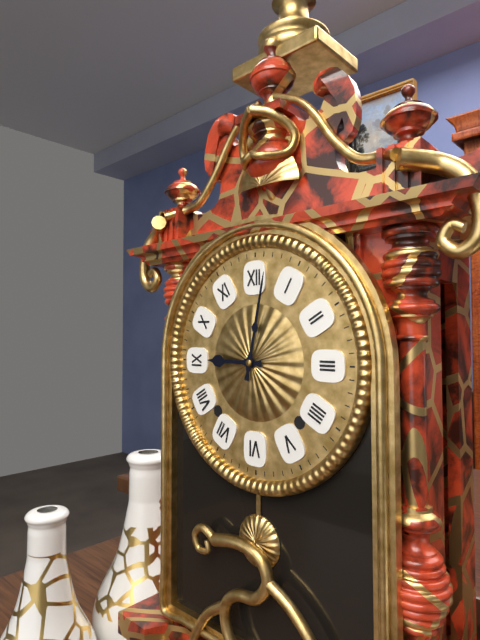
9:02
